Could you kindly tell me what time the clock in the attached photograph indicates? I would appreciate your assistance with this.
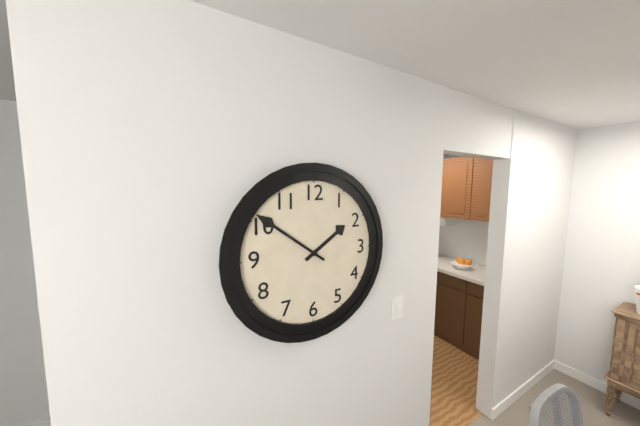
1:51
